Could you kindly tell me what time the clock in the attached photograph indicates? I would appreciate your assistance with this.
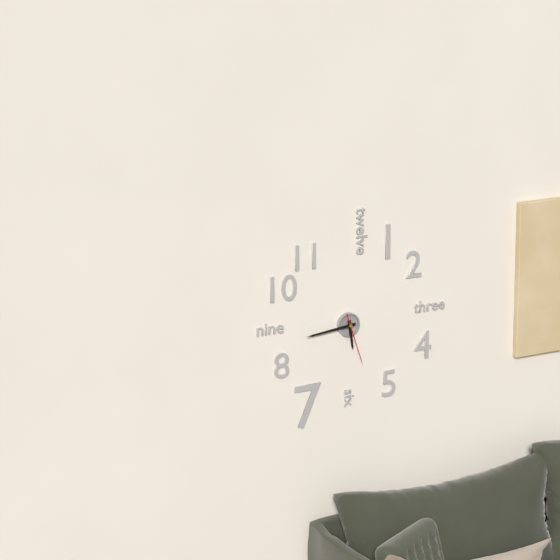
5:44:27
